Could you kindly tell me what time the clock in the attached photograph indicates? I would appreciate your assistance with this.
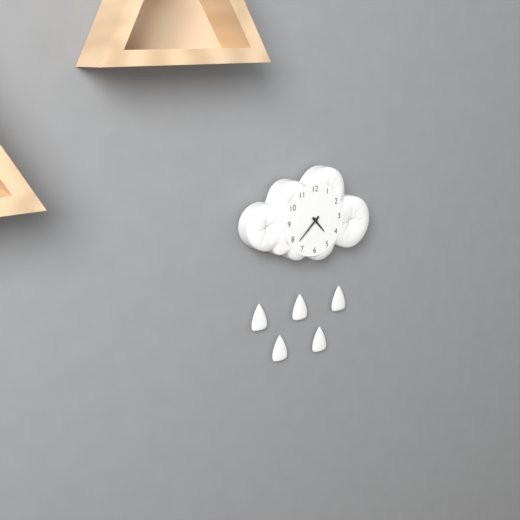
4:38
